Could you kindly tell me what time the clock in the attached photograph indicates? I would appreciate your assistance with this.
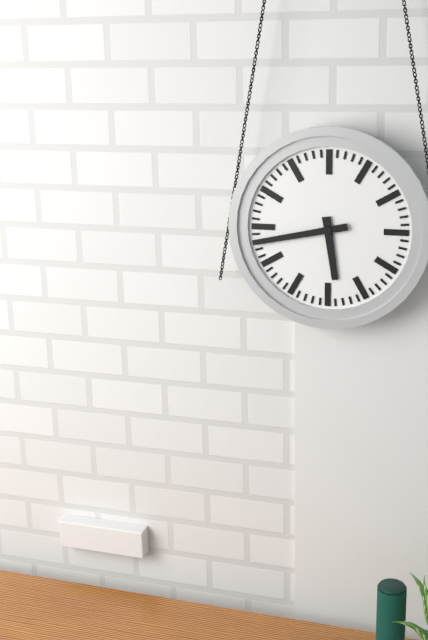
5:43
